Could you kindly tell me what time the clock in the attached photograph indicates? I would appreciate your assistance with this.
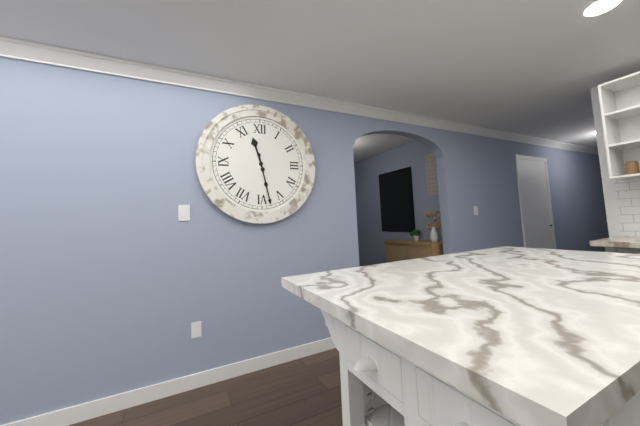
11:28
